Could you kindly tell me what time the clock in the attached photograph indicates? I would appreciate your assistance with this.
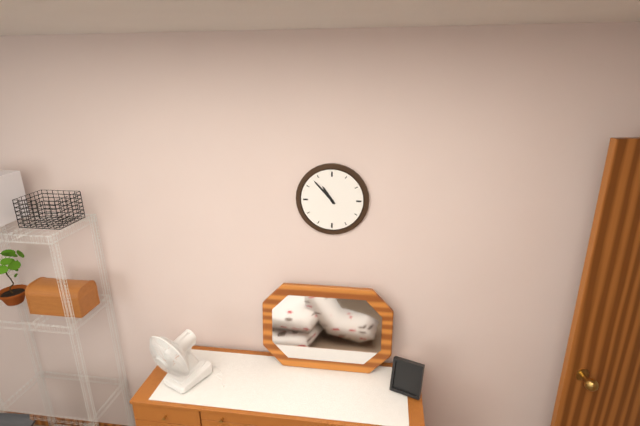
10:53
